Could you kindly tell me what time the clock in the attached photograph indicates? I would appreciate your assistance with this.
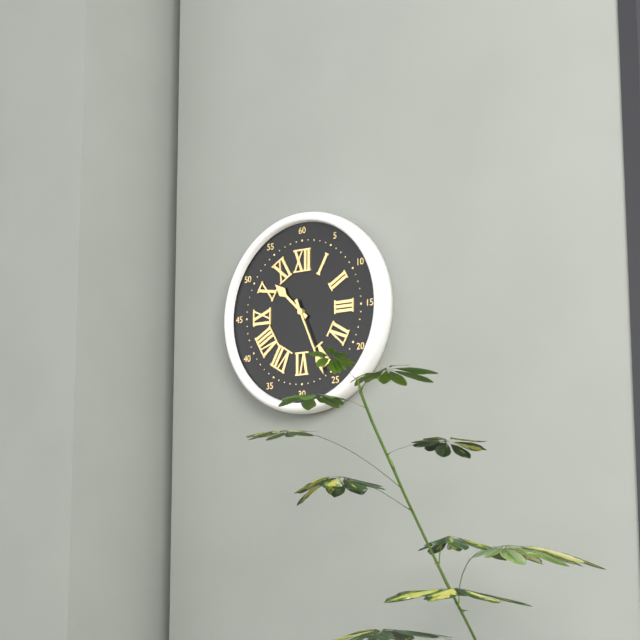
10:26
